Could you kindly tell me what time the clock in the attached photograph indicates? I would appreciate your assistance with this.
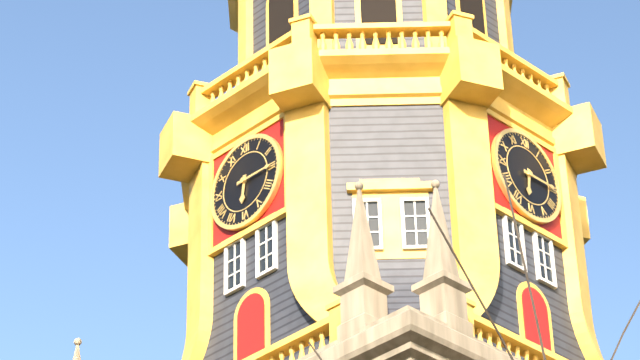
6:15
